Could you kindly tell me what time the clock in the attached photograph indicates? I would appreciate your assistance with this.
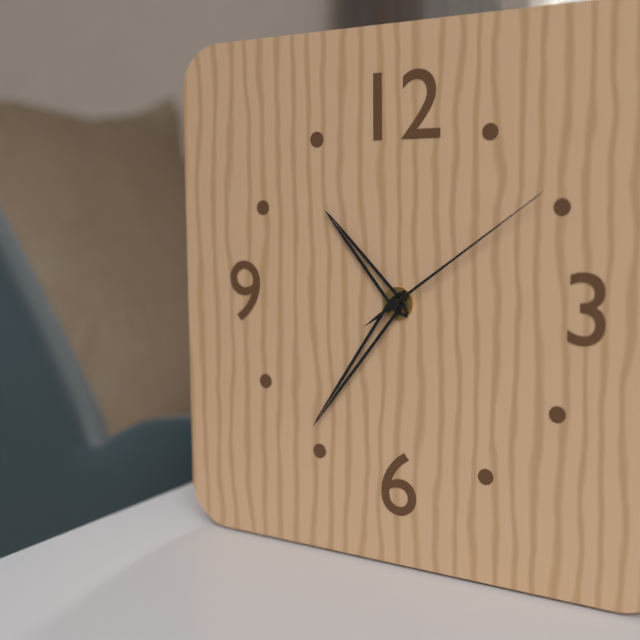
10:36:09
